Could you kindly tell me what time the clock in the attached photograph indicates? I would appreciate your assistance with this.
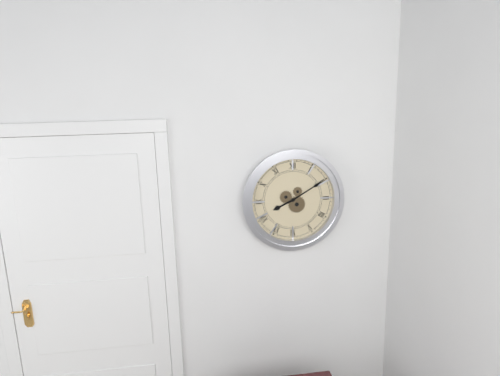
8:10
